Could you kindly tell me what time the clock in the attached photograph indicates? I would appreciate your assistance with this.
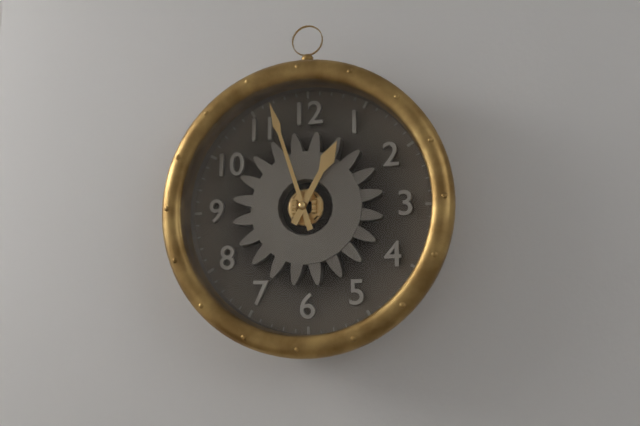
12:57
